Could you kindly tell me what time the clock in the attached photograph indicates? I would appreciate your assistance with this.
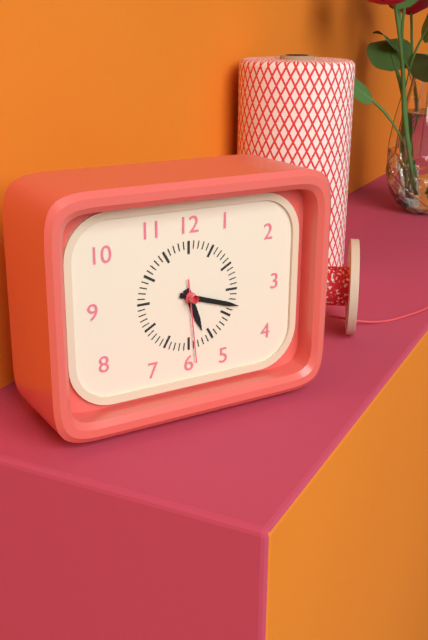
5:18:29
